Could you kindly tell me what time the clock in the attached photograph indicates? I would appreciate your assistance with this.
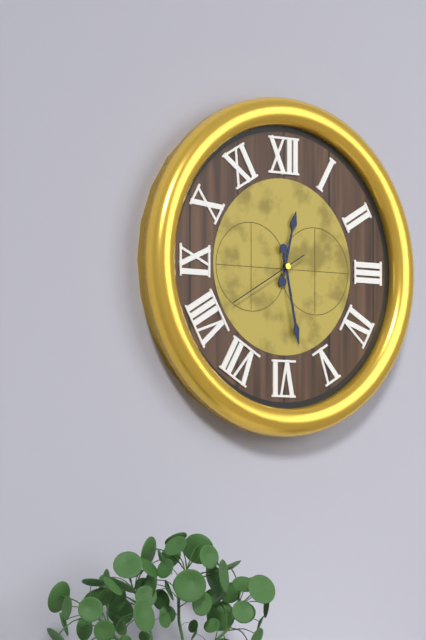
12:28:40
